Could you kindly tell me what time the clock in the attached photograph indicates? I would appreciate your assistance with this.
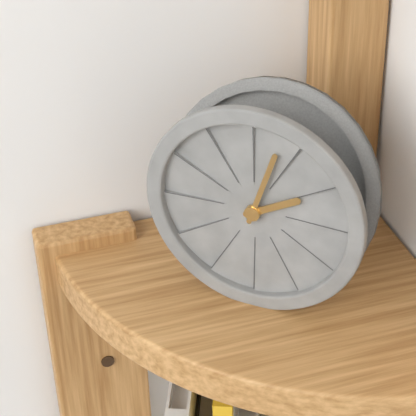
2:03
